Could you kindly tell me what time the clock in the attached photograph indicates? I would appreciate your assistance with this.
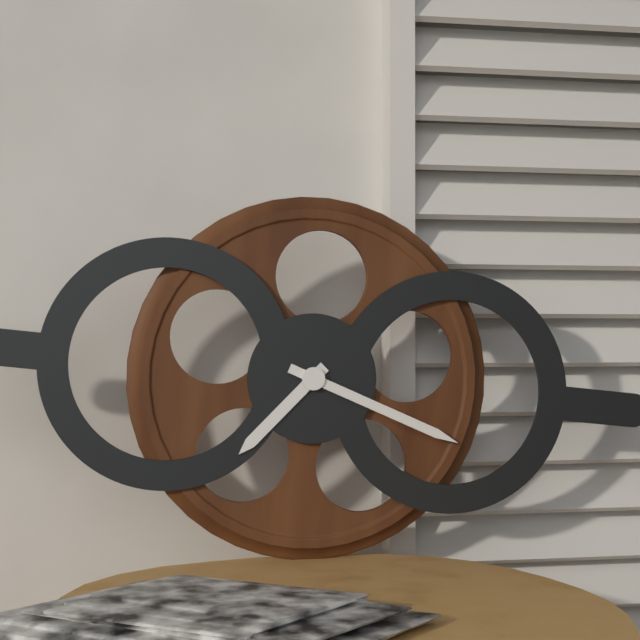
7:18
